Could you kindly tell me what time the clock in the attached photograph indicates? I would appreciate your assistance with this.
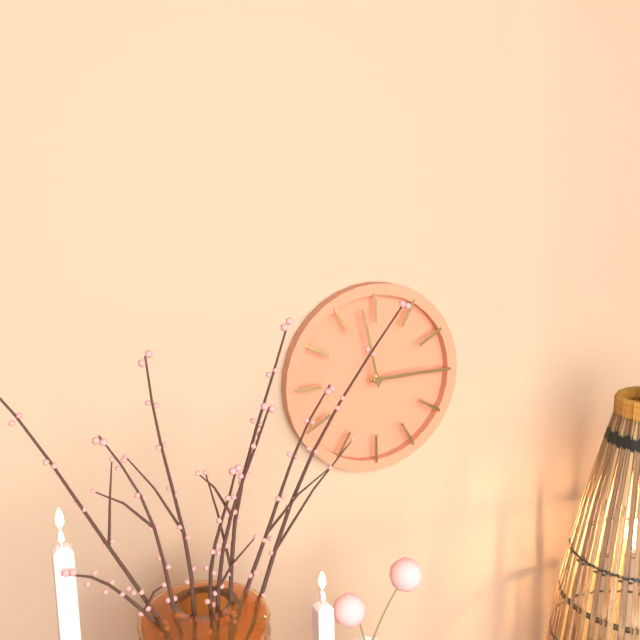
2:58
